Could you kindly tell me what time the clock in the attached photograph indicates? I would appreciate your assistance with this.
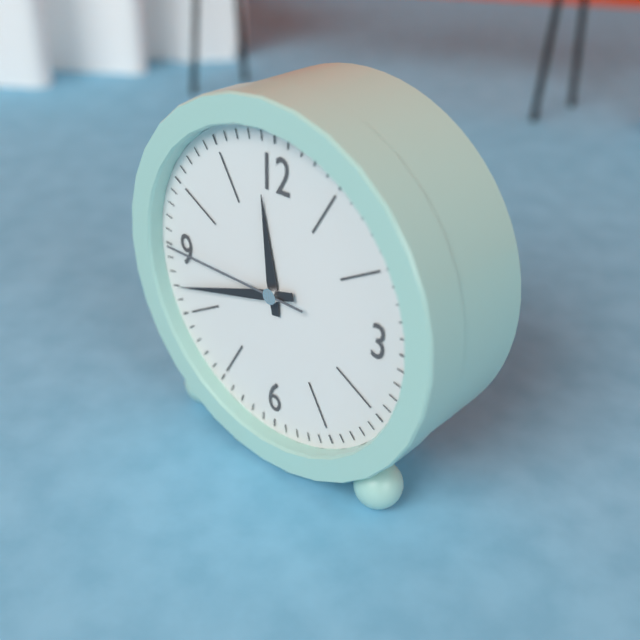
11:42:45
